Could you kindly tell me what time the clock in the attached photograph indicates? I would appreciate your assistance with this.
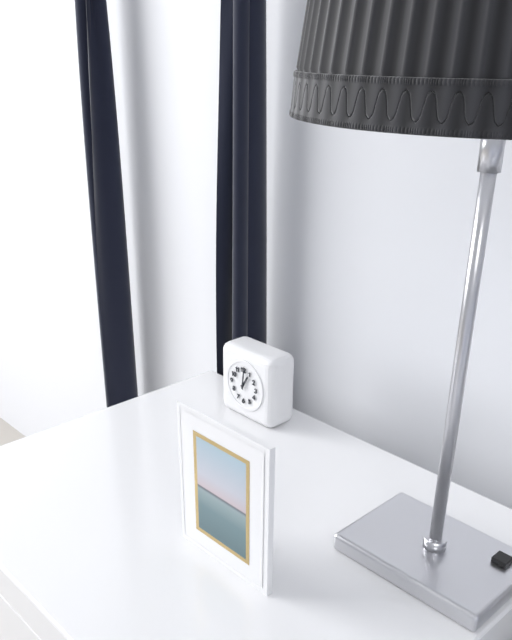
1:01
